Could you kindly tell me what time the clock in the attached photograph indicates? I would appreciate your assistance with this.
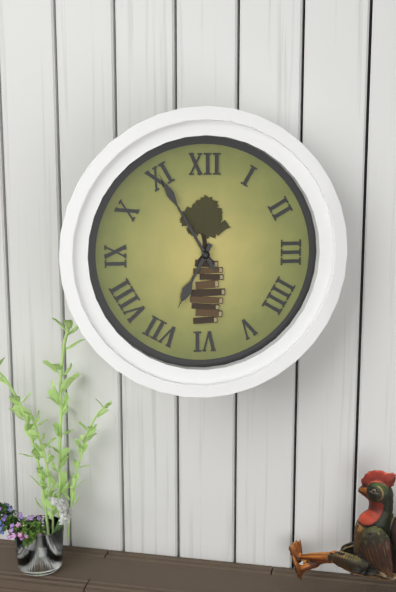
6:55
